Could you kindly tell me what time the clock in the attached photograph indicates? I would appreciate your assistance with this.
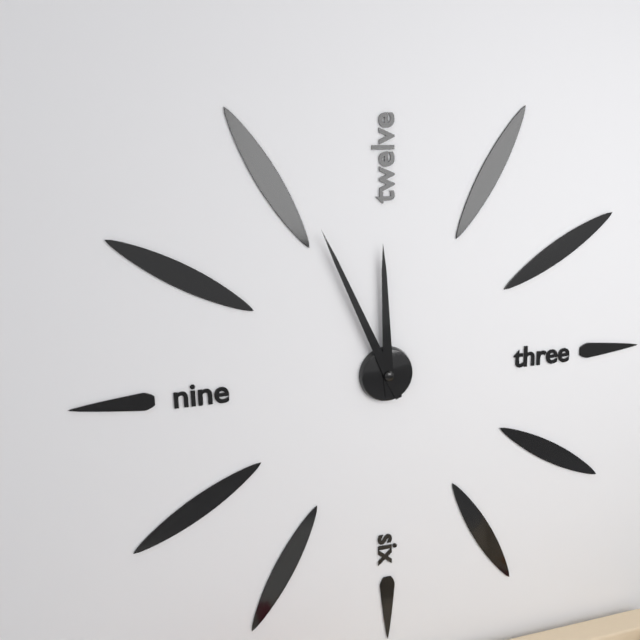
11:56
